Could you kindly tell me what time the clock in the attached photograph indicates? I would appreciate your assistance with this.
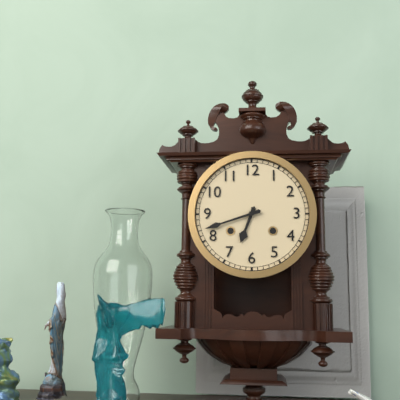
6:42
